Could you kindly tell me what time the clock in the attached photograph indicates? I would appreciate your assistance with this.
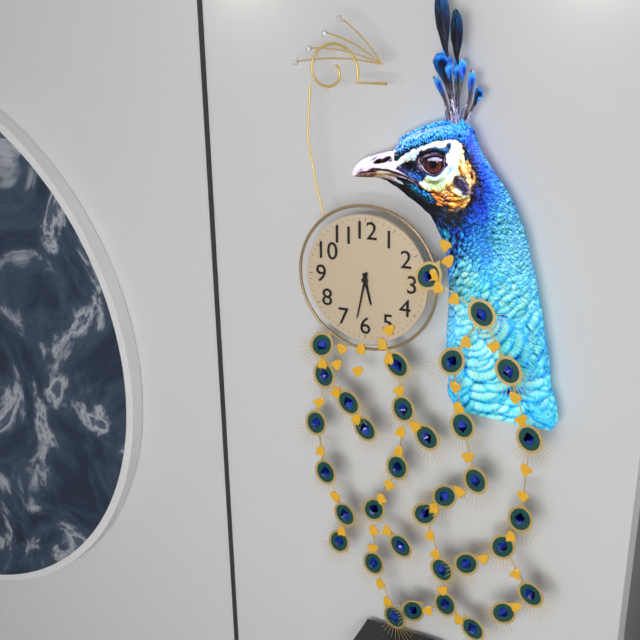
5:32
